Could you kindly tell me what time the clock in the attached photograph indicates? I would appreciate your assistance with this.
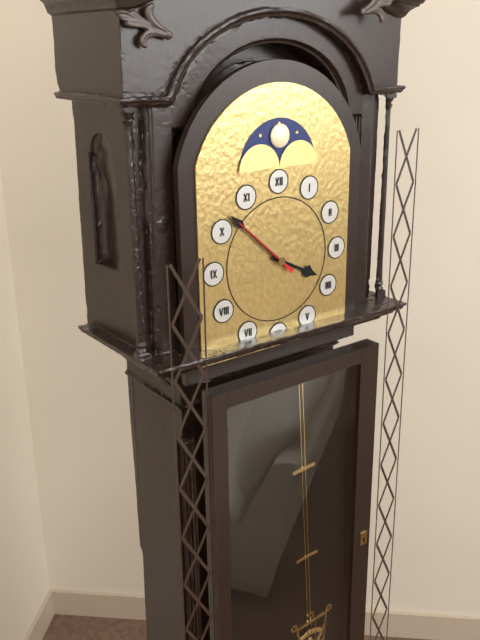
3:52:52
